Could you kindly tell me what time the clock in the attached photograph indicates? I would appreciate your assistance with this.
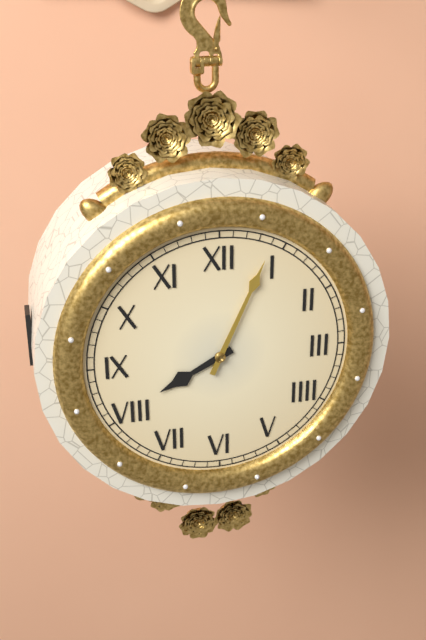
8:04
